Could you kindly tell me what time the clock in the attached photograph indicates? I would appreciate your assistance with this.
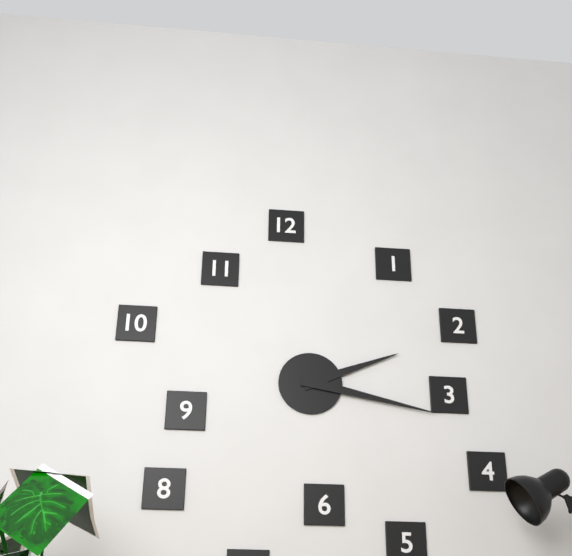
2:17
